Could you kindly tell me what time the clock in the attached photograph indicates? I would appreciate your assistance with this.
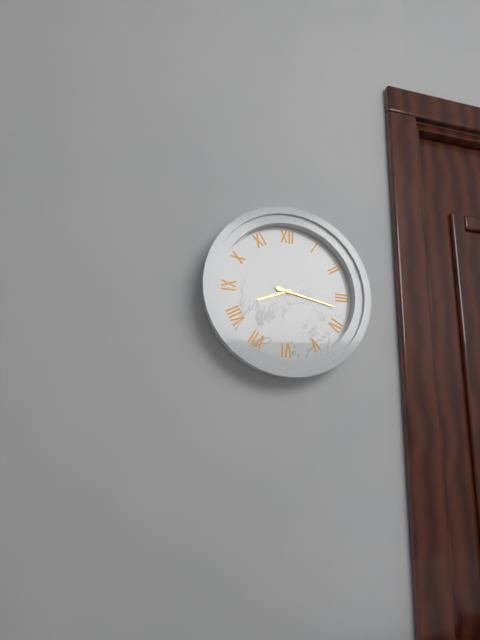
8:17
